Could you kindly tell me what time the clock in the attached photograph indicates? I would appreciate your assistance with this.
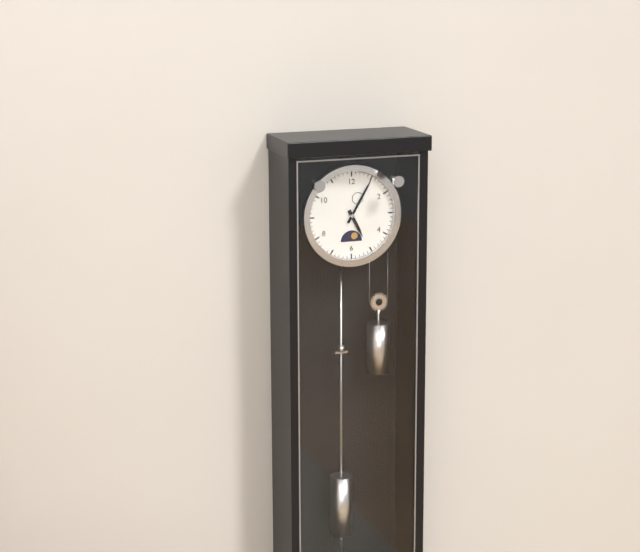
5:05
